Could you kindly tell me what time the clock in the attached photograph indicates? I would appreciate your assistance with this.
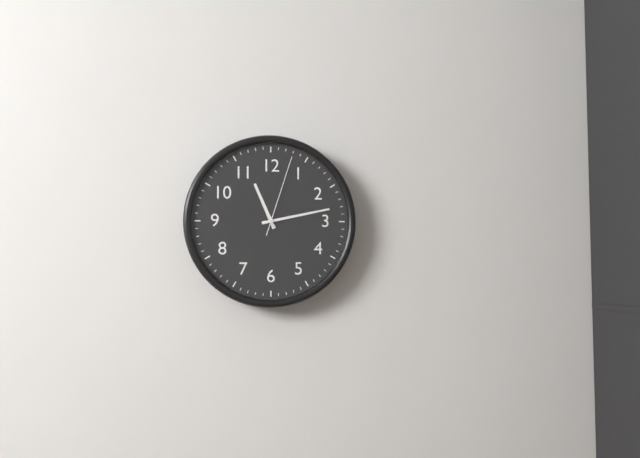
11:13:03
